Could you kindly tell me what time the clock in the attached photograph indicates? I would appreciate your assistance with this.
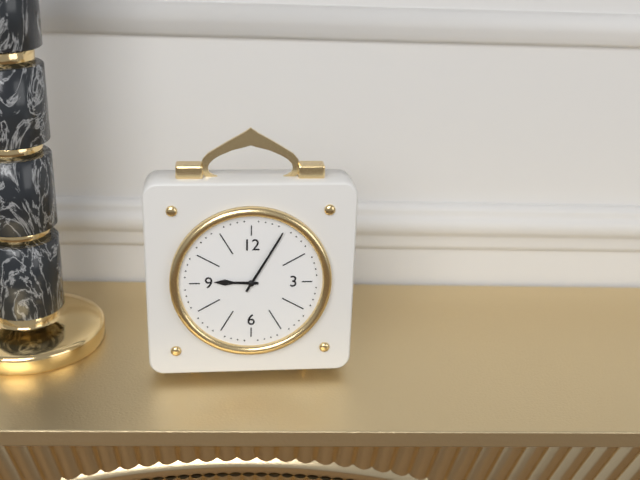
9:05
